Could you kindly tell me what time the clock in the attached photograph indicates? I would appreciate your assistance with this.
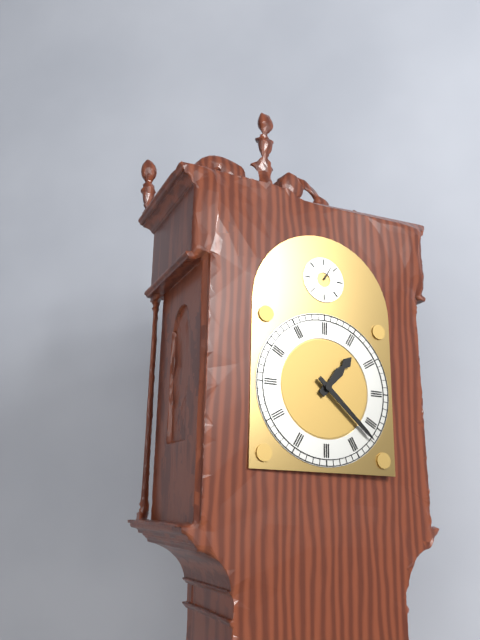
1:22
